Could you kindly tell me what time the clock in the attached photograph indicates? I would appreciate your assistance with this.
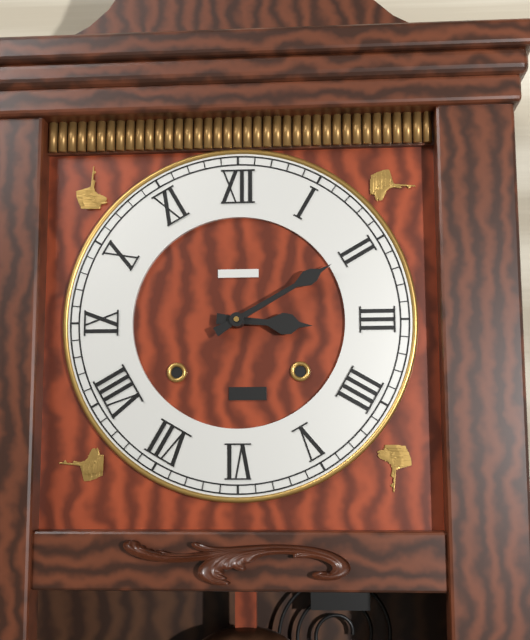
3:10
